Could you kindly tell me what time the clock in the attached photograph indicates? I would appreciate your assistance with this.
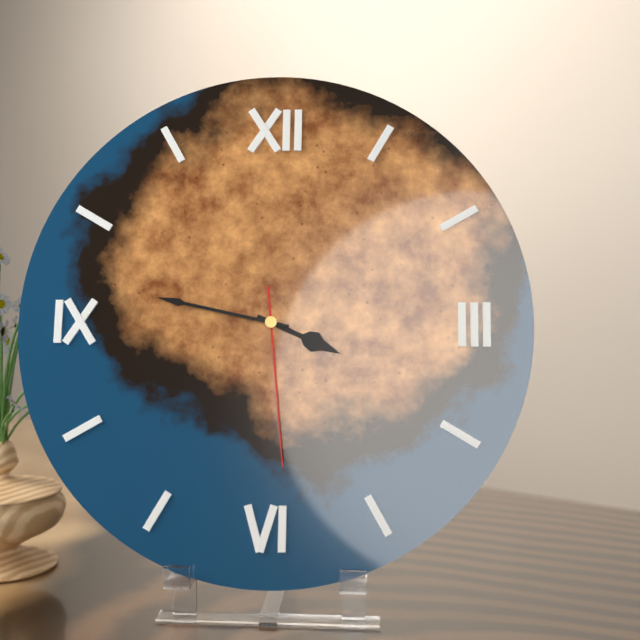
3:47:29
